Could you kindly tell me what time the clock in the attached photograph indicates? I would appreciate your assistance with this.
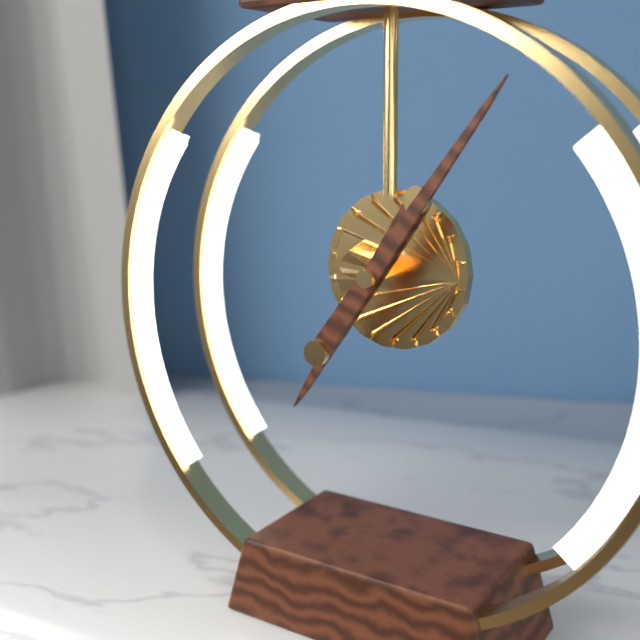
7:06
